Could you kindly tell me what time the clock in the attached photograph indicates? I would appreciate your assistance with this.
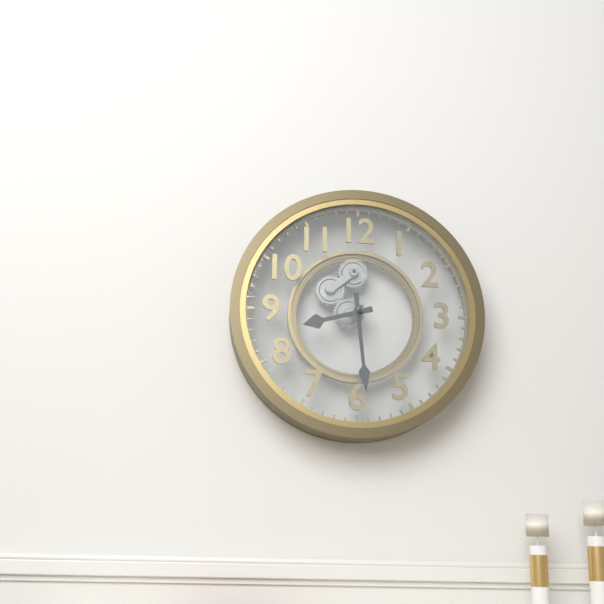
8:29
